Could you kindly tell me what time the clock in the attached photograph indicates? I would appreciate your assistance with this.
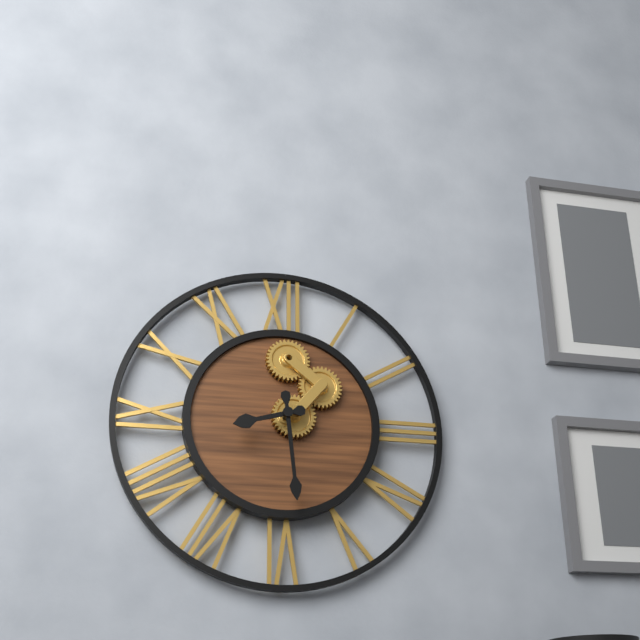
8:29
